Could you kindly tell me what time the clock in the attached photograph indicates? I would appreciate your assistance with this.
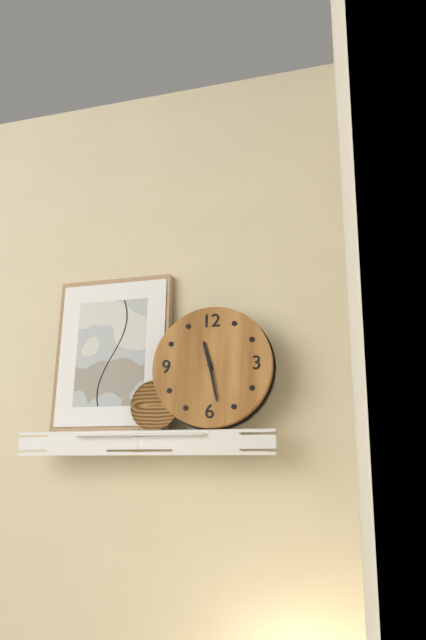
11:28
